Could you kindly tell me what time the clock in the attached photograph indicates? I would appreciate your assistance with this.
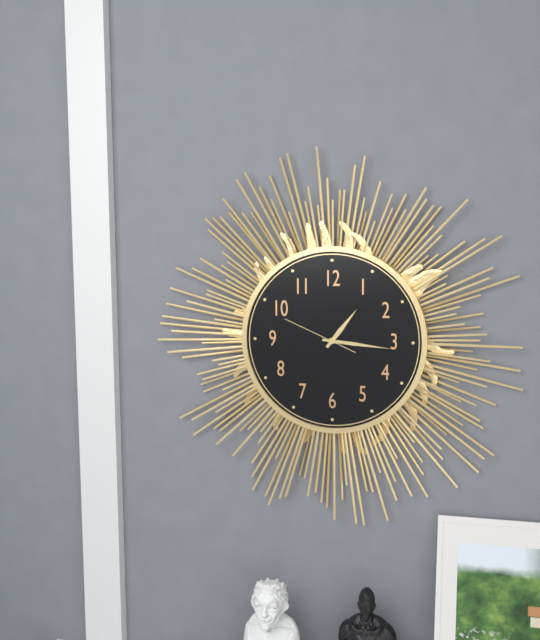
1:16:49
